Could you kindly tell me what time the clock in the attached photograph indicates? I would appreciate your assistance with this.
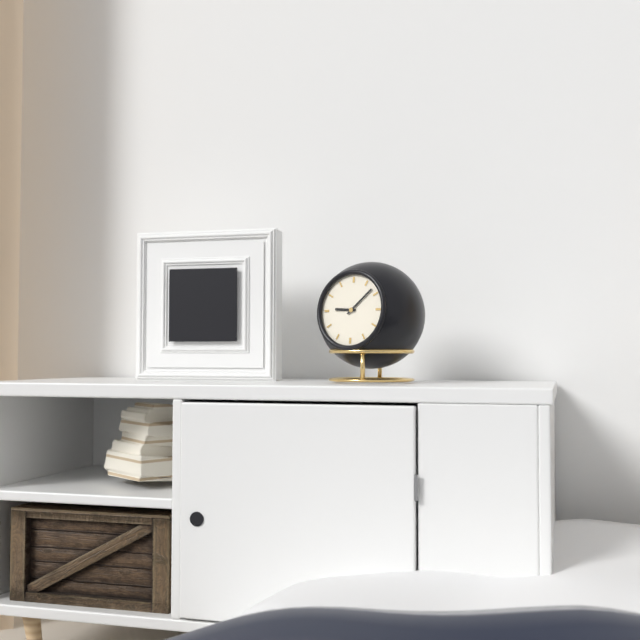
9:08
